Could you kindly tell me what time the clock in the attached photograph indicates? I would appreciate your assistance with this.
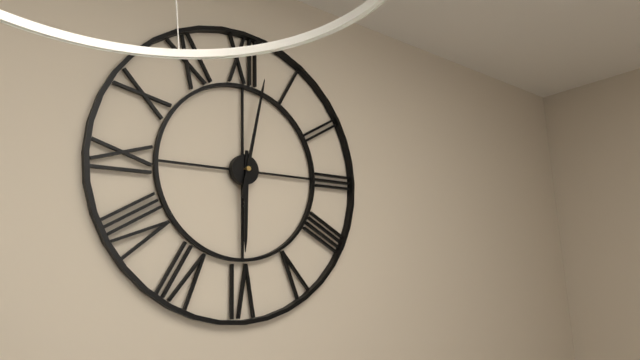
6:02
